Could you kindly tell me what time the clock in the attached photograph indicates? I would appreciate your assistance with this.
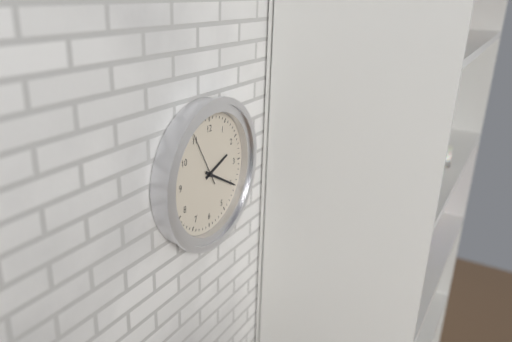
2:20:55
